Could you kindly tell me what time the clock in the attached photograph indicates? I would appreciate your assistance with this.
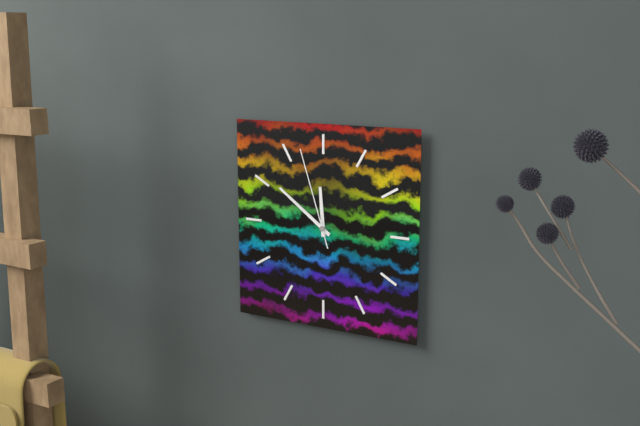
11:51:57
